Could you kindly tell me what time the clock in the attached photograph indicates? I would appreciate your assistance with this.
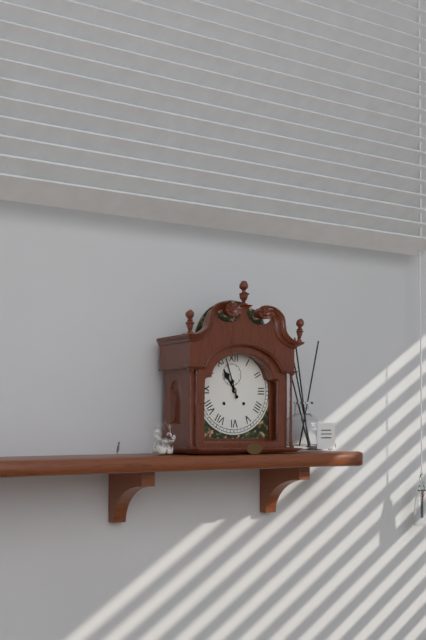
10:57
